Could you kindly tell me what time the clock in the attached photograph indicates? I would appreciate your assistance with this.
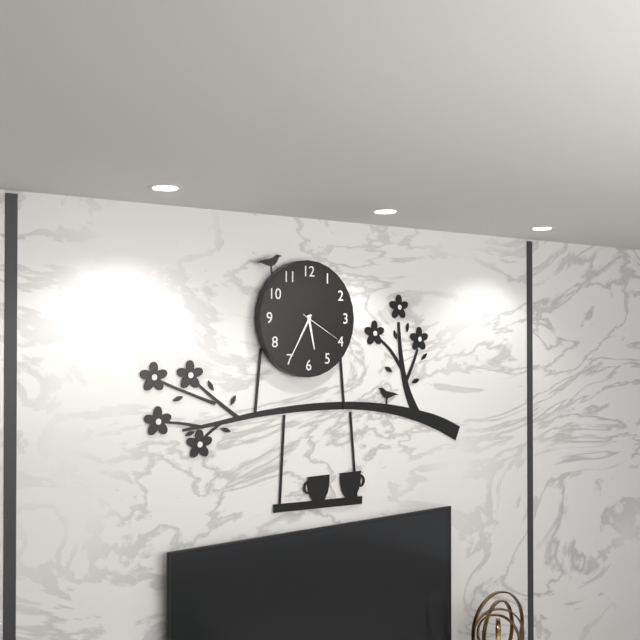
5:35
